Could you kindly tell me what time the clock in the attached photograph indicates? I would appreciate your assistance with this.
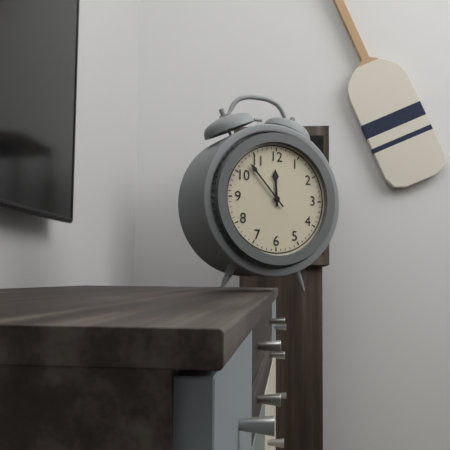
11:53
